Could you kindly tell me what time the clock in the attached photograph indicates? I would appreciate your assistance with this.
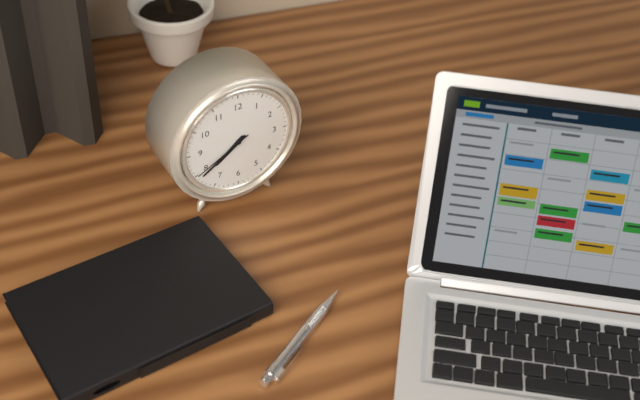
7:39:40
